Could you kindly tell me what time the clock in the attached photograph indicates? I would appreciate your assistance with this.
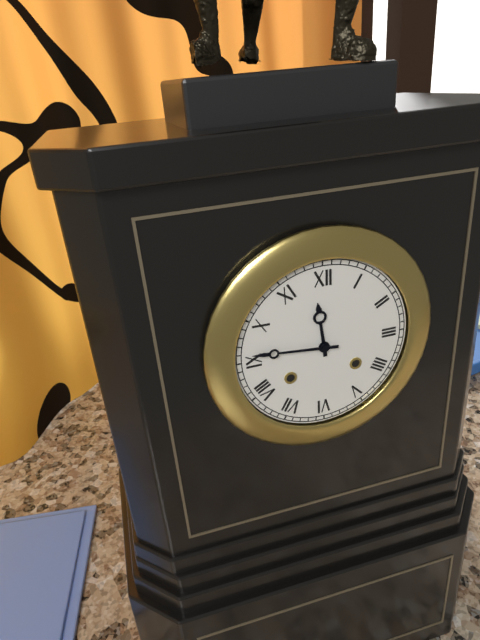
11:46
